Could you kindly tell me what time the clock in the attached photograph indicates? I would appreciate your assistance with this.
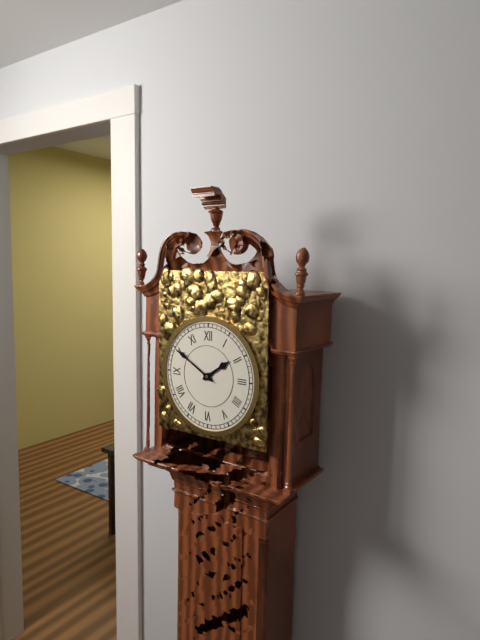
1:50
